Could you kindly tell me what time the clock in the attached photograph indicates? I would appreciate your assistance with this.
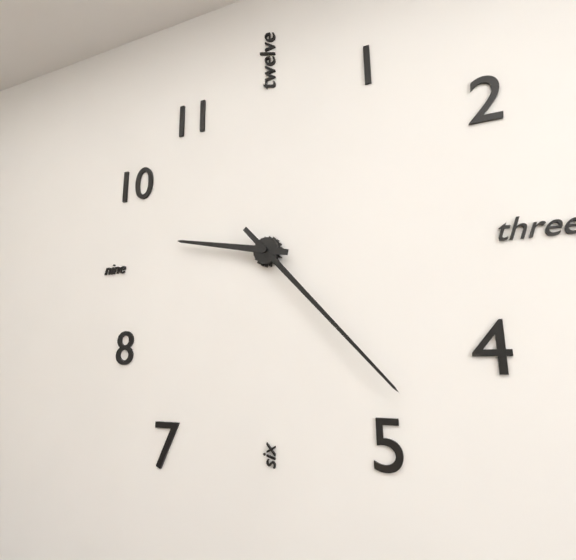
9:23
